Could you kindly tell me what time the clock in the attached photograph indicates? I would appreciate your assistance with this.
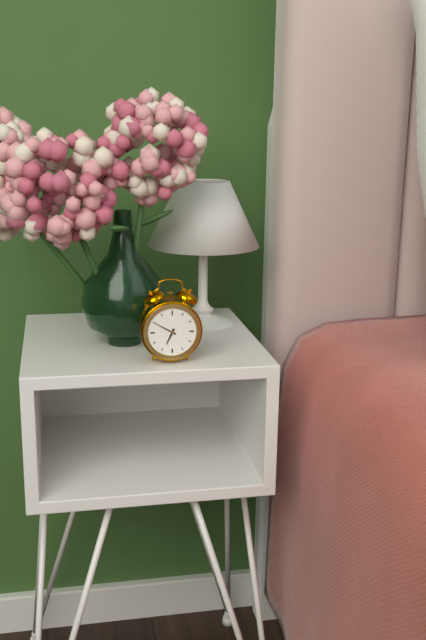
6:50
